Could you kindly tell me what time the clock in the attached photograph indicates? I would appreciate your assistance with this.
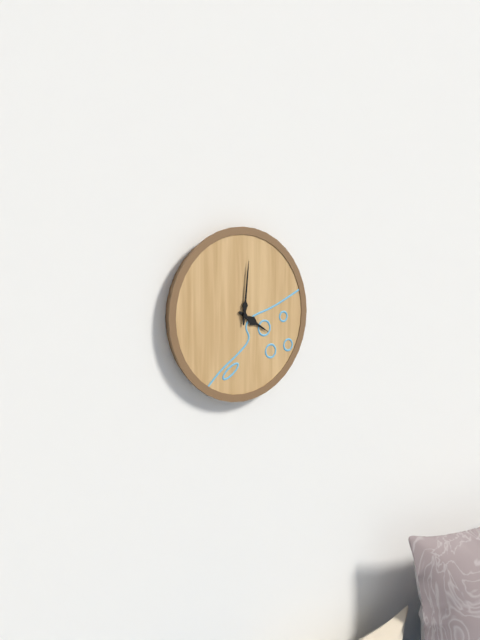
4:01
